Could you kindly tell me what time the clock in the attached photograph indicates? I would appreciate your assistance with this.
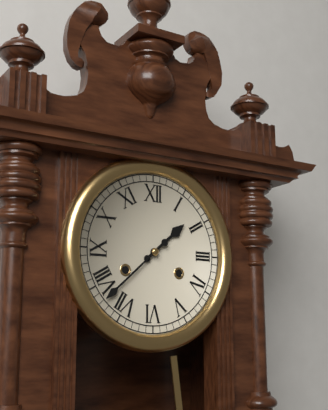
1:38
